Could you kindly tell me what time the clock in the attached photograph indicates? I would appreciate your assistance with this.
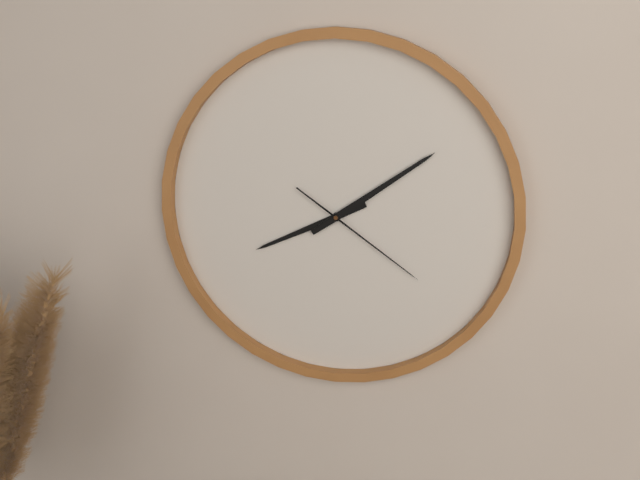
8:09:21
